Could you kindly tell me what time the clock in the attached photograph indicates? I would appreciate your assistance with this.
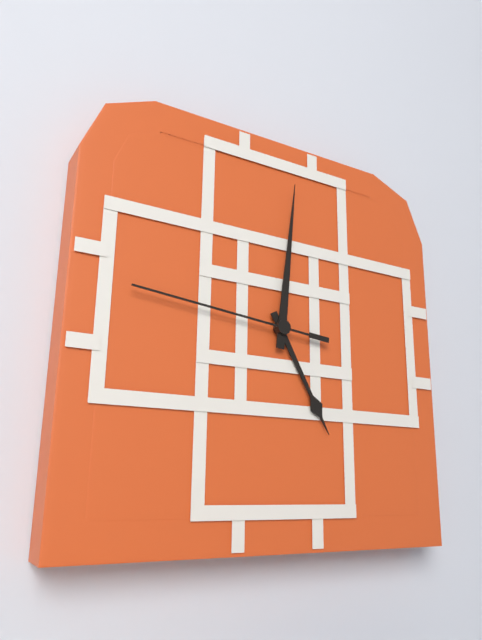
5:01:46
